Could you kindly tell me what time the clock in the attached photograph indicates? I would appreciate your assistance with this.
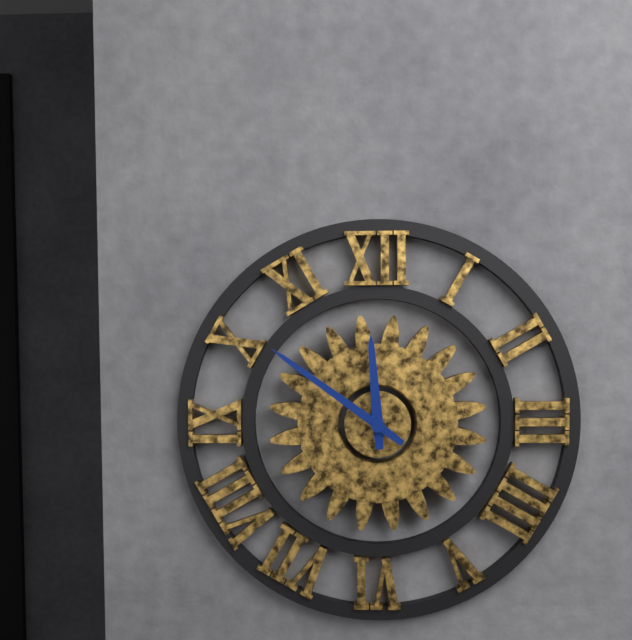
11:51
